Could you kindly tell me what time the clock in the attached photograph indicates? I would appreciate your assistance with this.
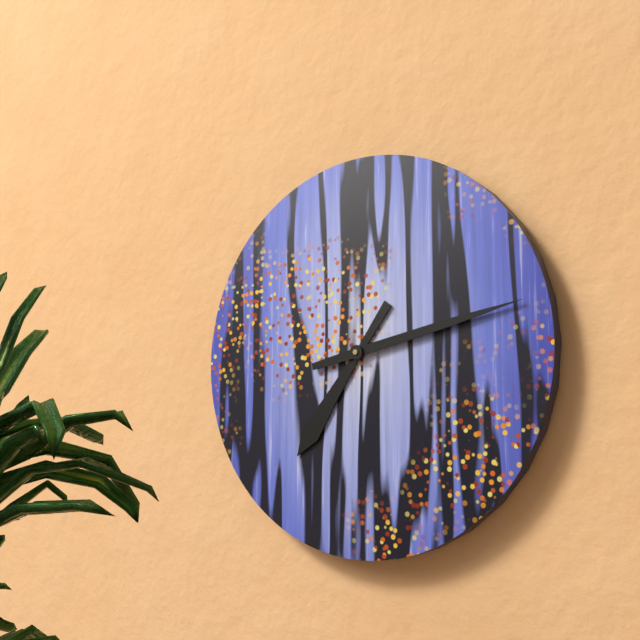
7:13
